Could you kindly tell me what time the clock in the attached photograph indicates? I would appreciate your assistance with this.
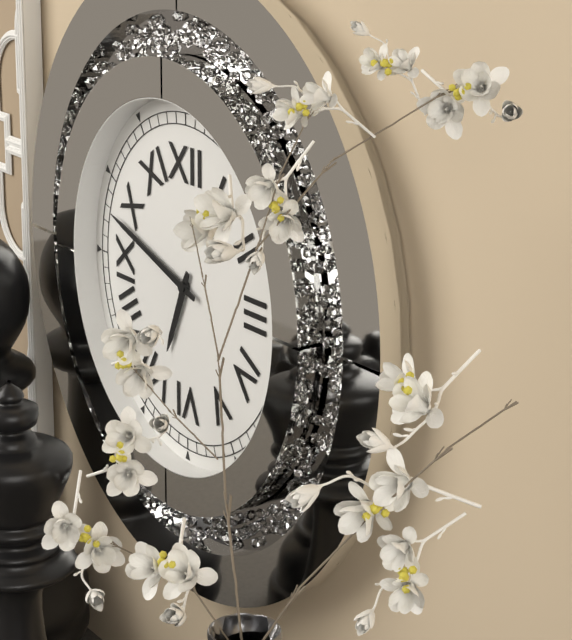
6:48
